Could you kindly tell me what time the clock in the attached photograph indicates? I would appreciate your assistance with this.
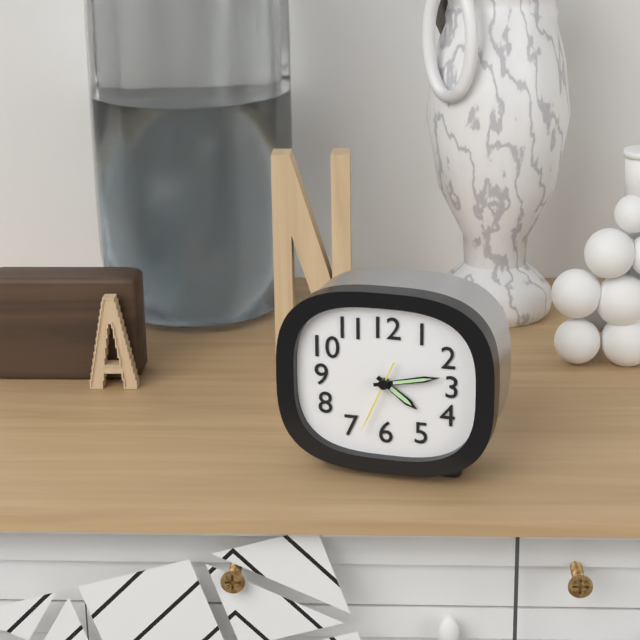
4:13:34
